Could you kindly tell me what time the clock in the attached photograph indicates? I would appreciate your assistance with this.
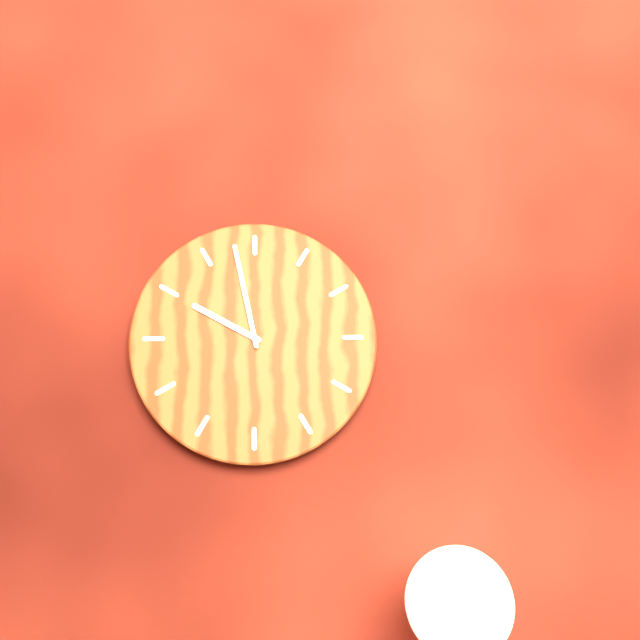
9:58
